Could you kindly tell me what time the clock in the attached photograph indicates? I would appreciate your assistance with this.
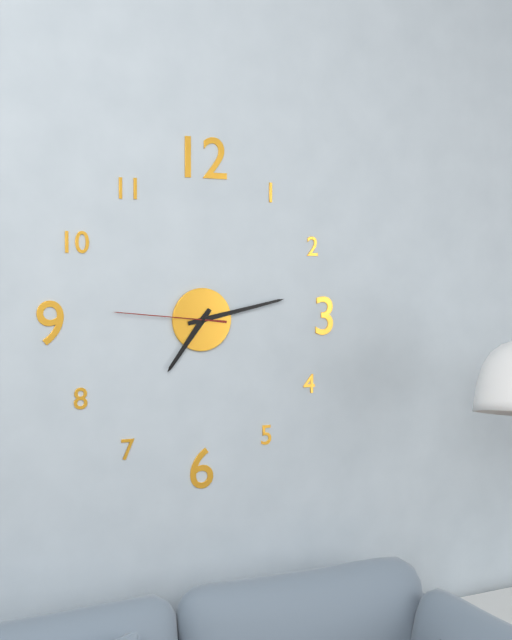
7:13:46
